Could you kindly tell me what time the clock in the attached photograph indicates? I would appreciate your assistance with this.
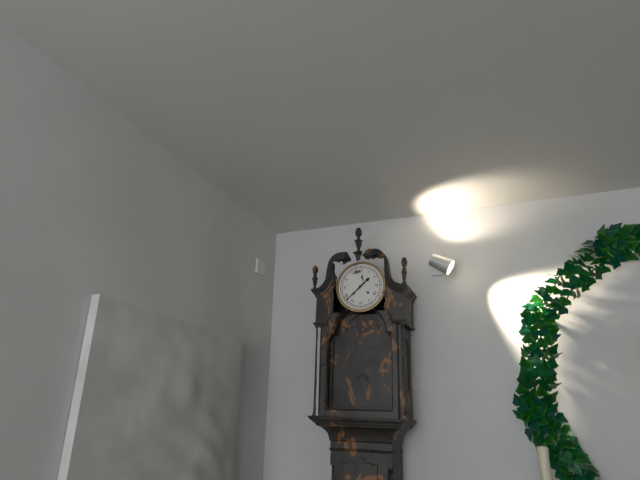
1:38
